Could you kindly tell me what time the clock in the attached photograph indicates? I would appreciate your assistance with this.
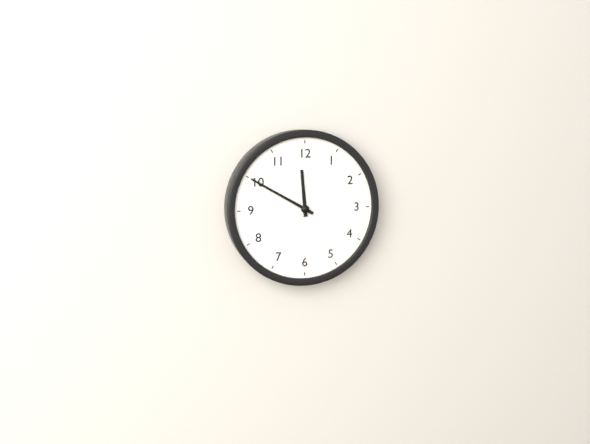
11:50
